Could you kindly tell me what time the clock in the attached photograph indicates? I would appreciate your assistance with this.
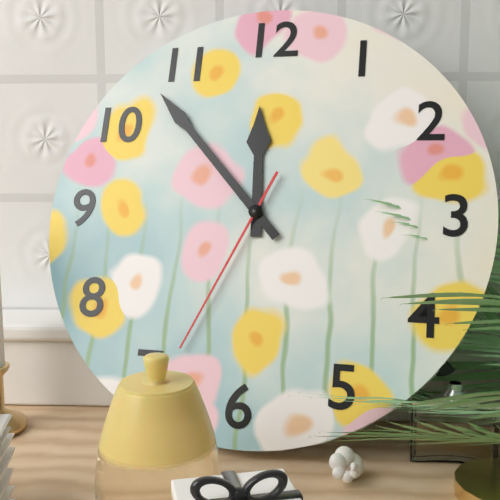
11:53:34
